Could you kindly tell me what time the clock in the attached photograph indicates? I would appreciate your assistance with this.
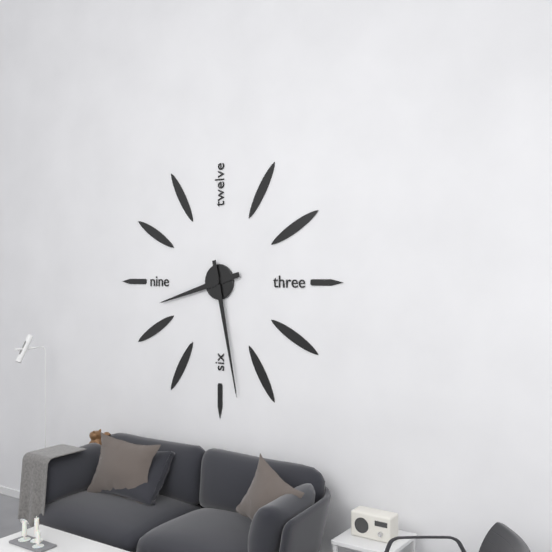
8:28
